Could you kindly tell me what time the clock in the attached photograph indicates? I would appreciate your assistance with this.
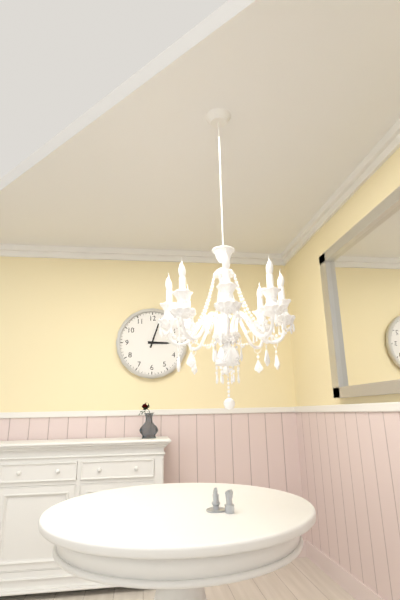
3:03
